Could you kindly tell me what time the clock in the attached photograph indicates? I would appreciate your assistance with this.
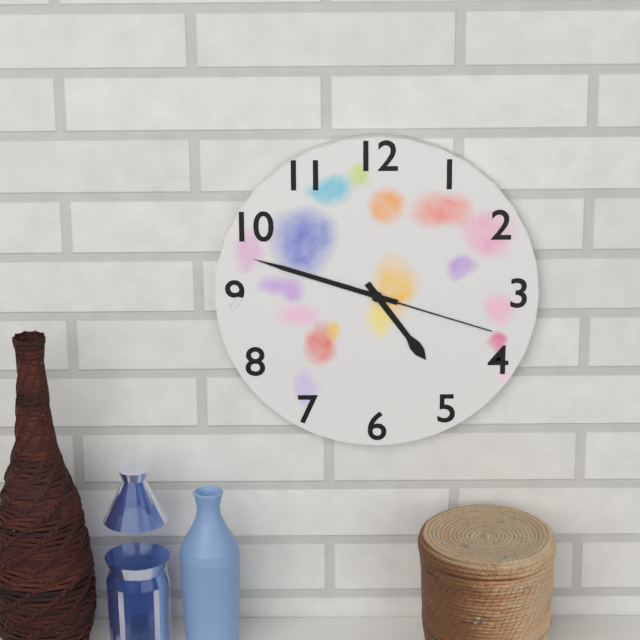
4:48:18
